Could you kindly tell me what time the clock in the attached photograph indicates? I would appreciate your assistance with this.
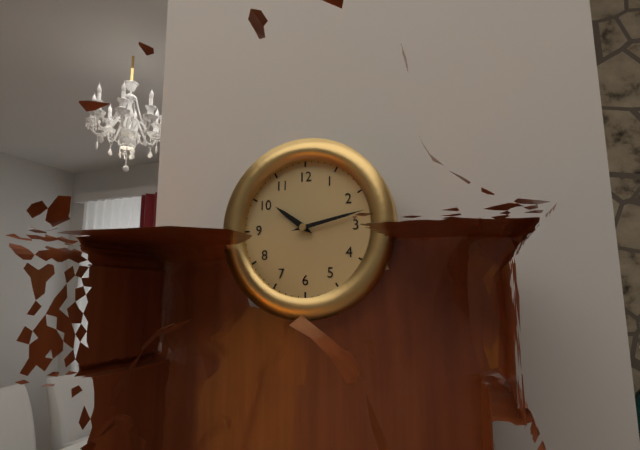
10:13
